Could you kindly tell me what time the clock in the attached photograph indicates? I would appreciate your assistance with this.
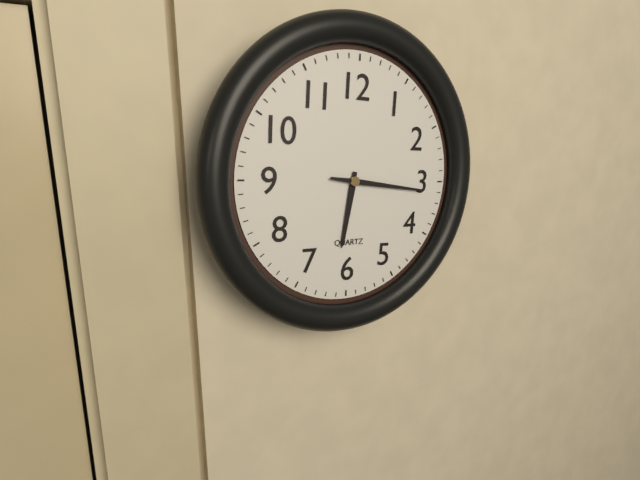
6:16
